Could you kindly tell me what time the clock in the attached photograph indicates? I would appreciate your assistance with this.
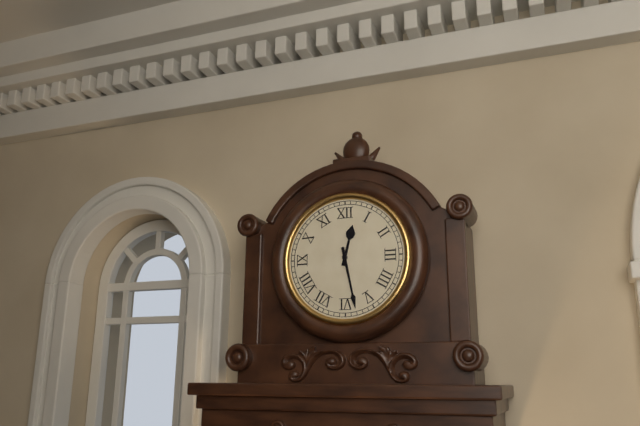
12:28
